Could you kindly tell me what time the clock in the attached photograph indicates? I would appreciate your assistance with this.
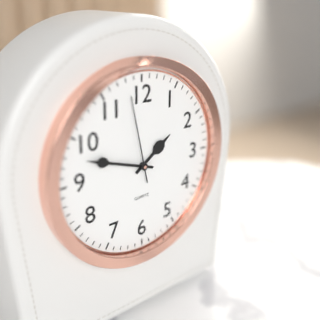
1:48:58
